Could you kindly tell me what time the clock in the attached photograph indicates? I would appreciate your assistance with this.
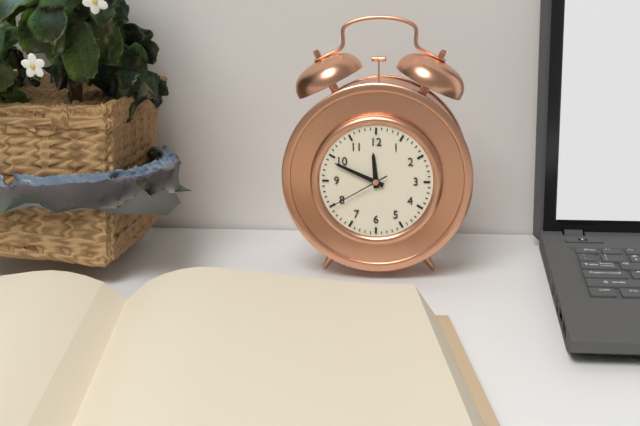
11:49:40
